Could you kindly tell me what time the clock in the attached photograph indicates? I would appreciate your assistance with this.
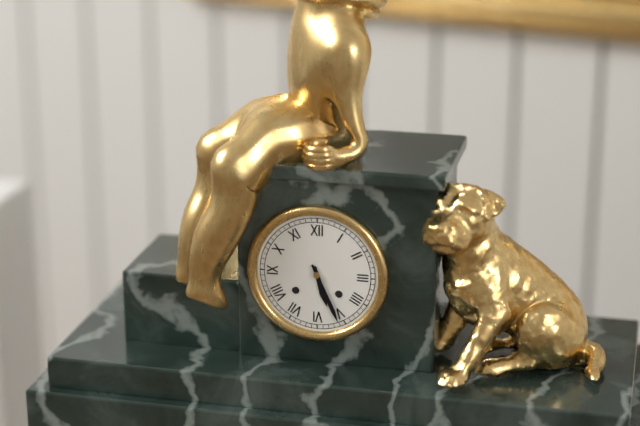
5:26
